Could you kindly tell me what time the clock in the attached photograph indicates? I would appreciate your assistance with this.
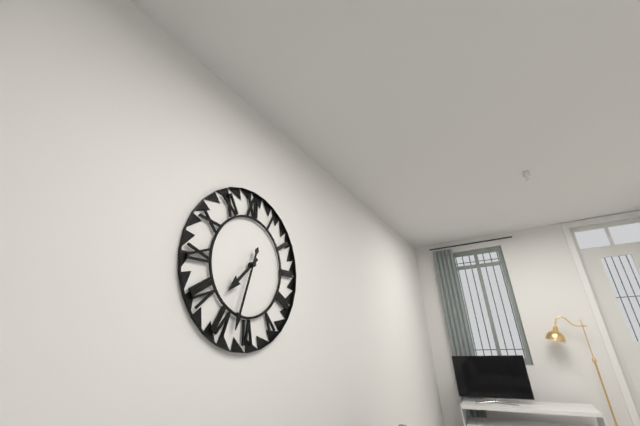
7:33
